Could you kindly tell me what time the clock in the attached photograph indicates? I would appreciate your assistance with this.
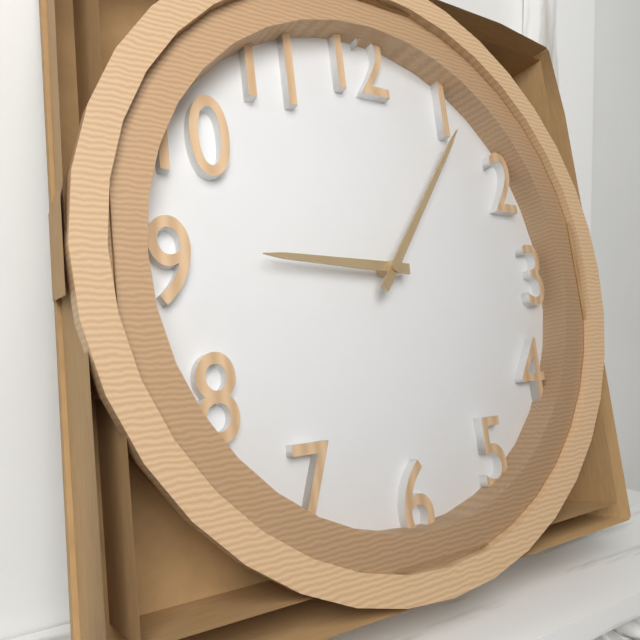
9:06
